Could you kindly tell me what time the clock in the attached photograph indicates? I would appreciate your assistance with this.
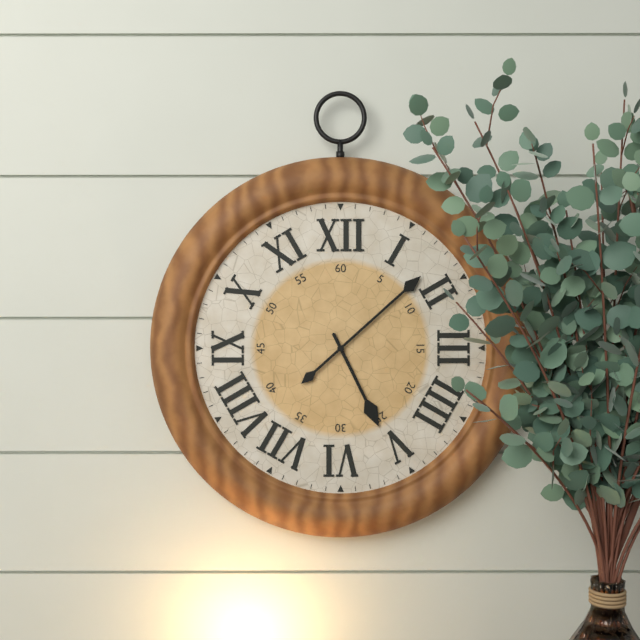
5:08
